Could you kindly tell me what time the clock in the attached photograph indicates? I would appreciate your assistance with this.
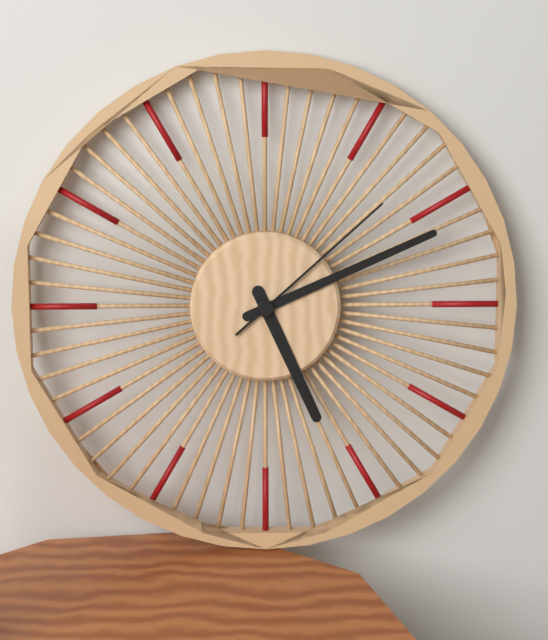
5:11:08
